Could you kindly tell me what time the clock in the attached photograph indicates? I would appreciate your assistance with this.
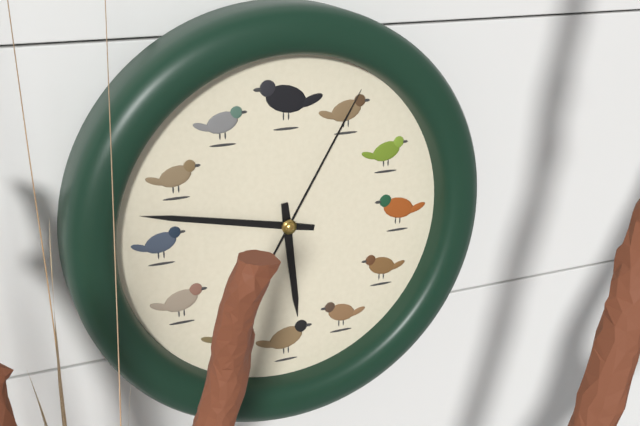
5:47:05
